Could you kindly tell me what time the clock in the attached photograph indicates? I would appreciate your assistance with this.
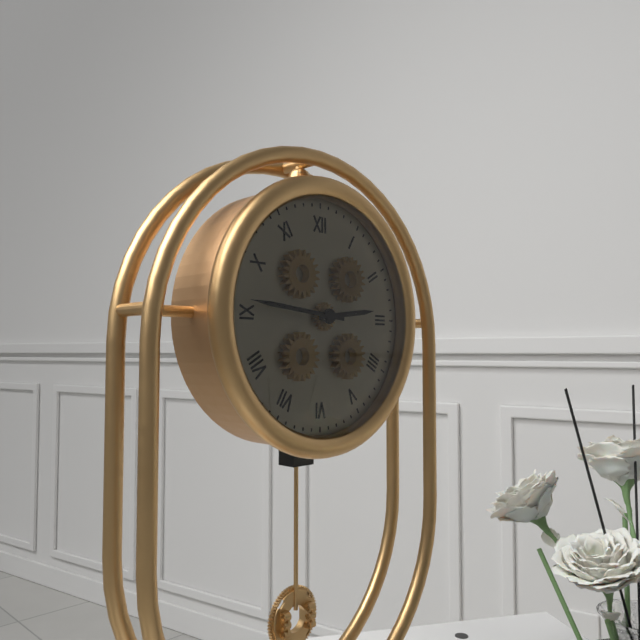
2:46
